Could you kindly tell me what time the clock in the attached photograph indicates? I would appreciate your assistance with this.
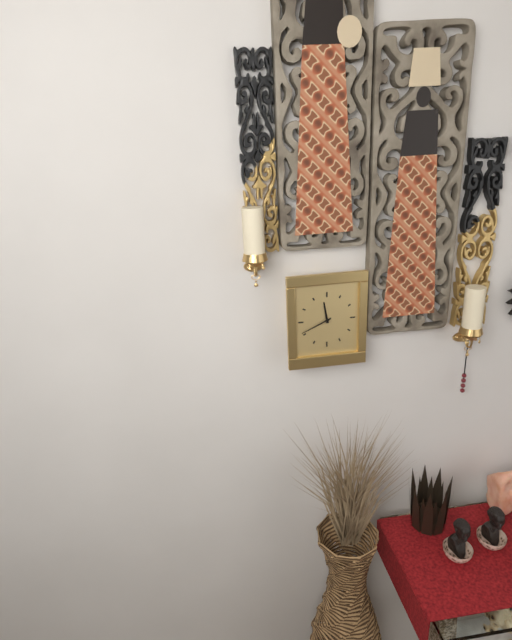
11:41
